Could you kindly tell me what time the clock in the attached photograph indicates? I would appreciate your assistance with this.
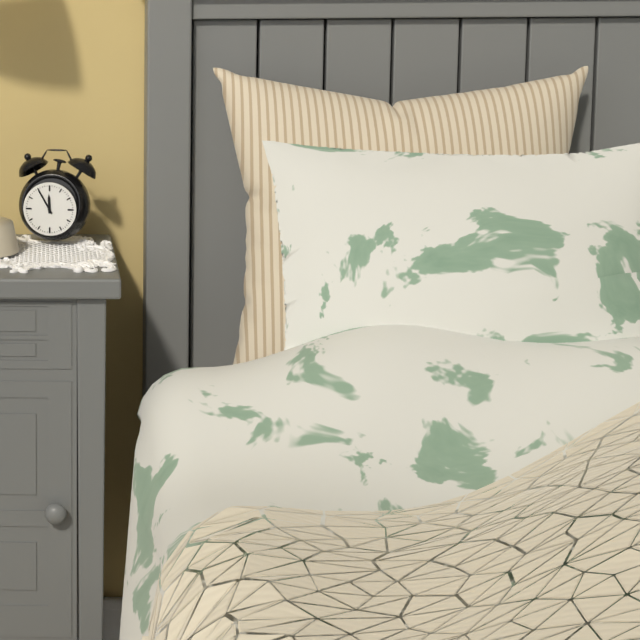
11:55
